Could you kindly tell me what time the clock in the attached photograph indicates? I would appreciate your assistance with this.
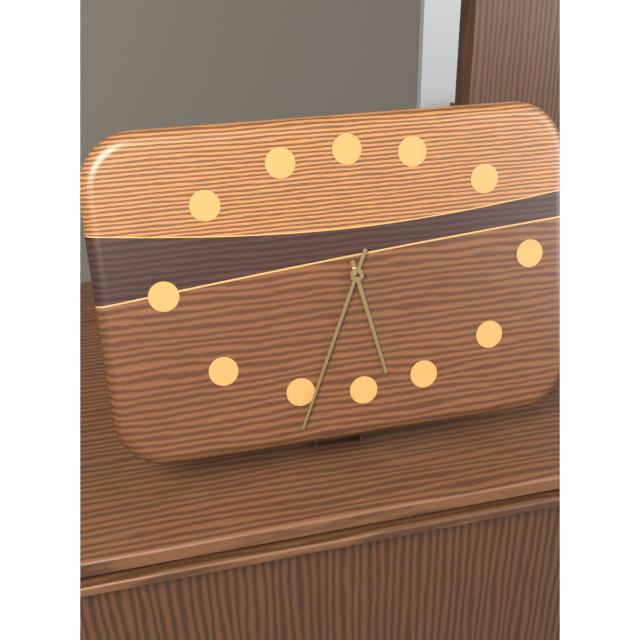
5:34
